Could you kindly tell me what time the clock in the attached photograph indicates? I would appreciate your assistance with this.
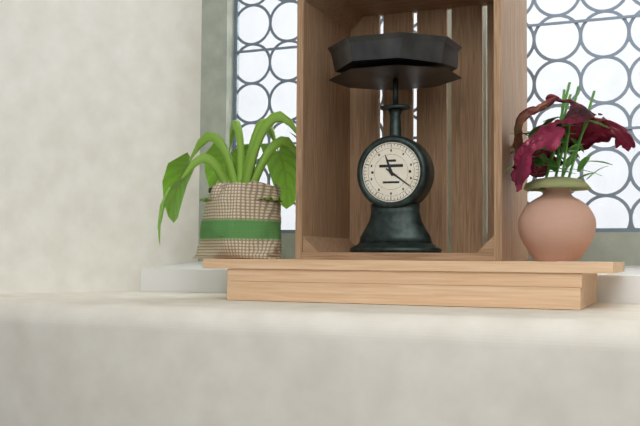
11:21
